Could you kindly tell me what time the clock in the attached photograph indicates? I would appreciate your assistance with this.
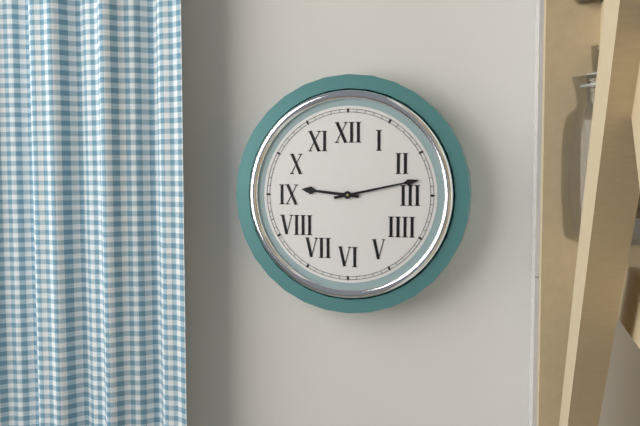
9:13
